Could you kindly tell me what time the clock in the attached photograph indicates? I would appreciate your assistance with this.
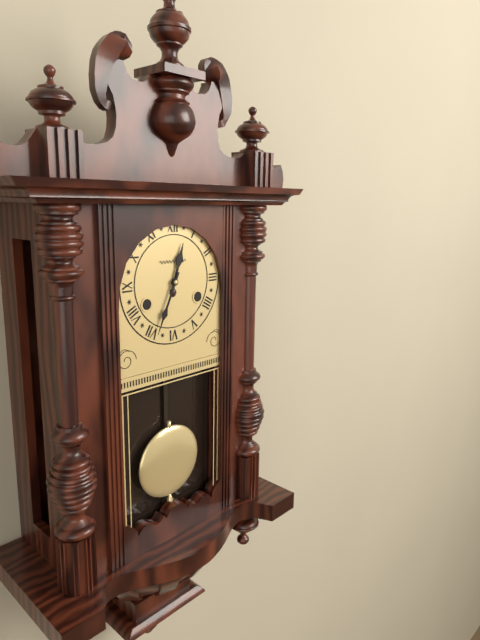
12:34
